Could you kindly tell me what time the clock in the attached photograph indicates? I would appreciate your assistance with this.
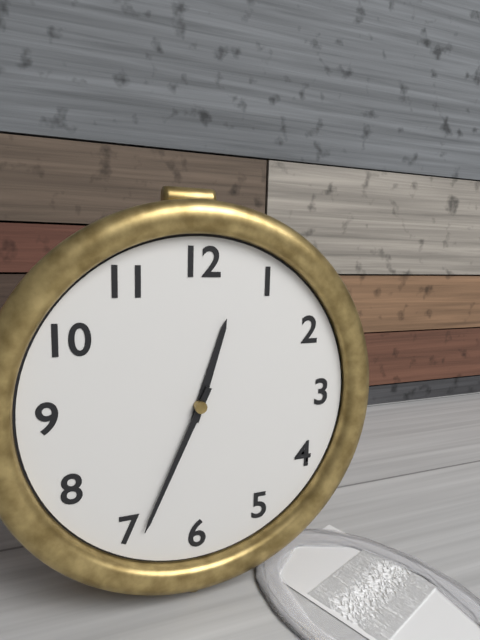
12:34
